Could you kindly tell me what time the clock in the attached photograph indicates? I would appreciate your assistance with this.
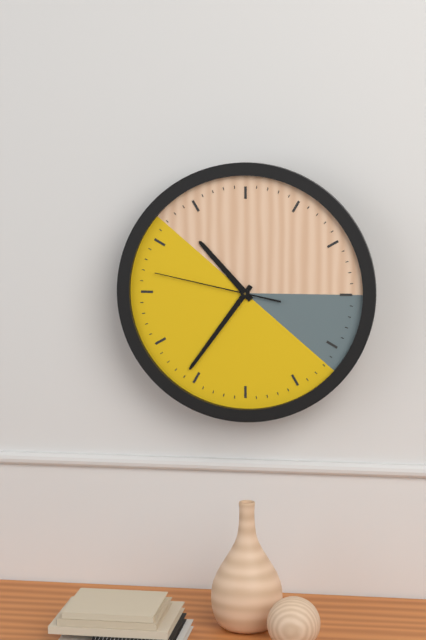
10:36:47
